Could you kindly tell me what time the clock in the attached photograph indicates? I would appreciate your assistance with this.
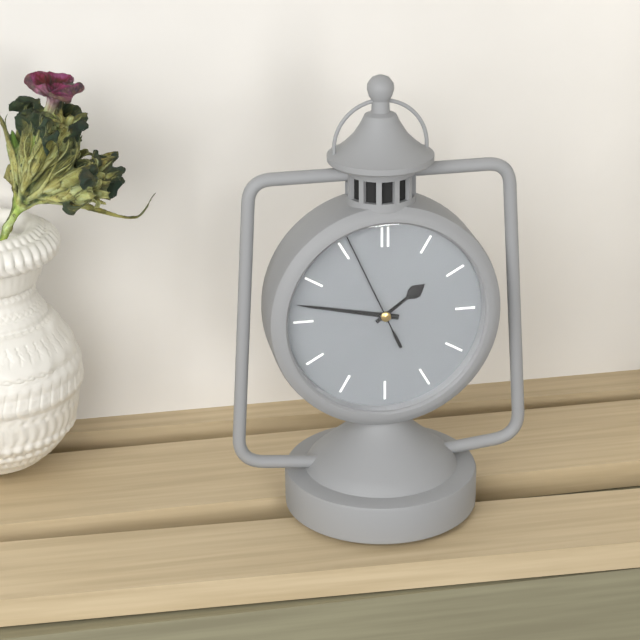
1:47:56
